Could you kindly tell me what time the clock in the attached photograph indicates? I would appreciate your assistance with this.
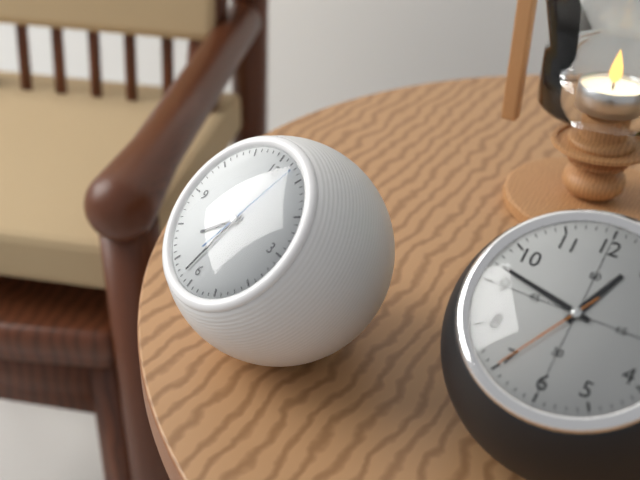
7:32:03
